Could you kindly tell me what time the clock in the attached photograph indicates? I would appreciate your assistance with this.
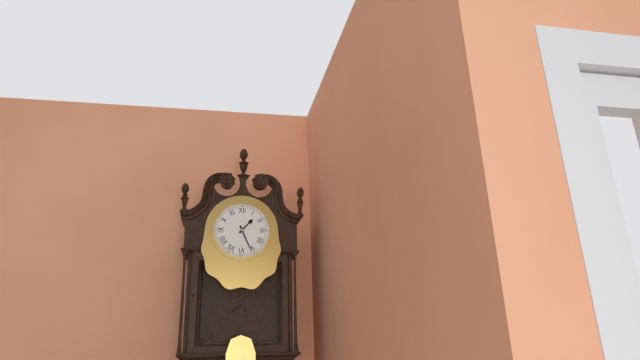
1:26
